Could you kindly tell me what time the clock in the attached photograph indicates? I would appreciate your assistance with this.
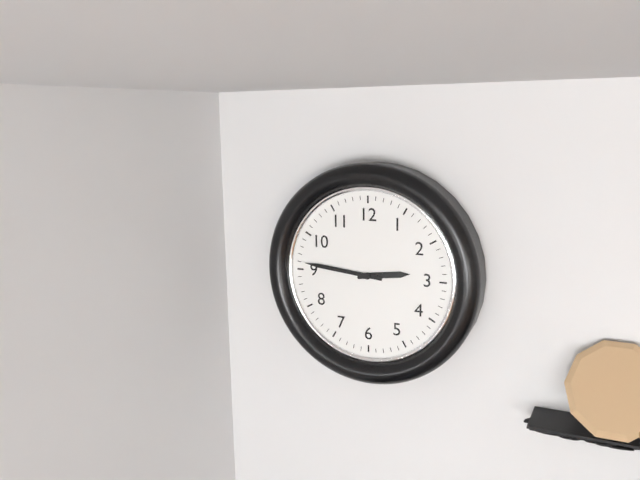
2:46
